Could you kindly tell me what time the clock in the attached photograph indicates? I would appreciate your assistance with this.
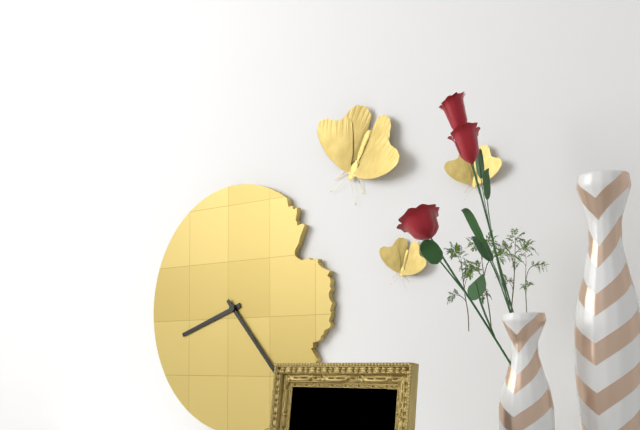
8:23
